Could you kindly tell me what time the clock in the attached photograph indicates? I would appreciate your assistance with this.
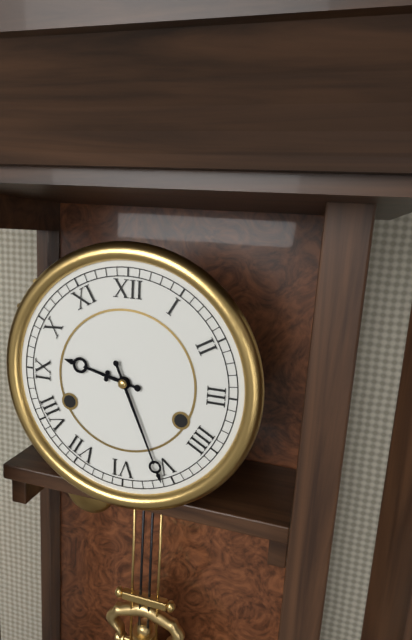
9:26
